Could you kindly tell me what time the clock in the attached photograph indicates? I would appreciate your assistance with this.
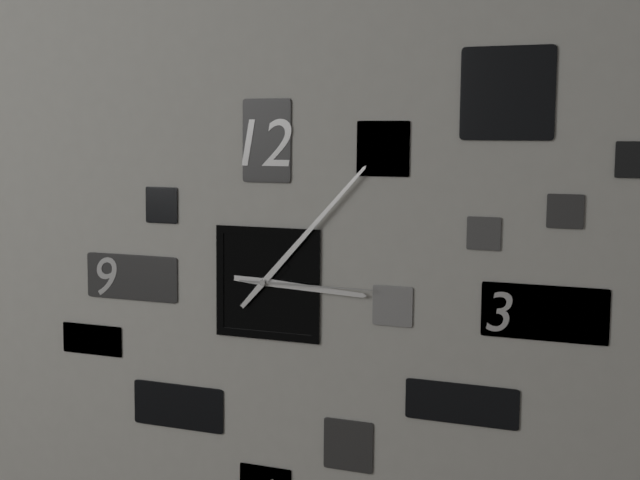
3:07:15
